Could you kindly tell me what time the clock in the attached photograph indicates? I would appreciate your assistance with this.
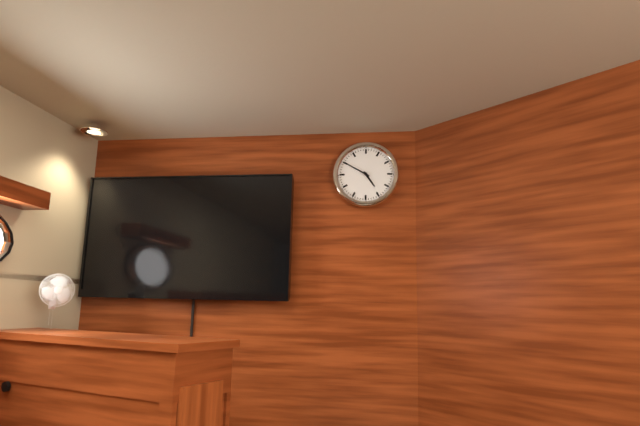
4:50
